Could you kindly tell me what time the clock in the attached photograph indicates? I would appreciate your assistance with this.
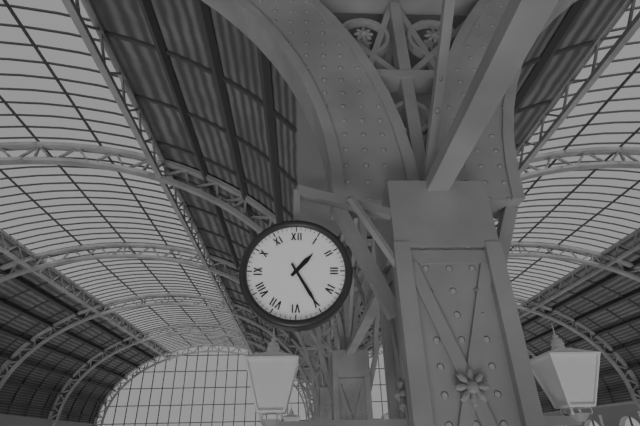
1:25
